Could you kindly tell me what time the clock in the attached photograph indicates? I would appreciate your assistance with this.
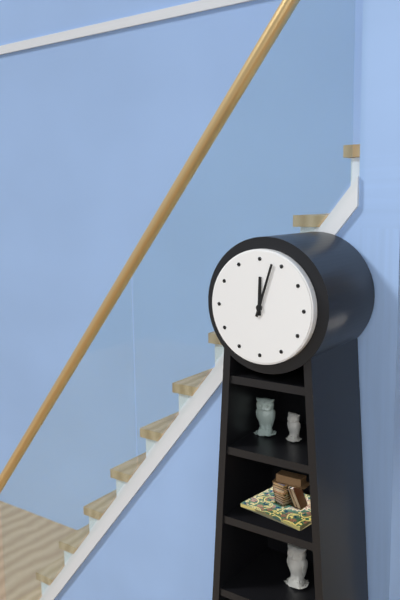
12:03
